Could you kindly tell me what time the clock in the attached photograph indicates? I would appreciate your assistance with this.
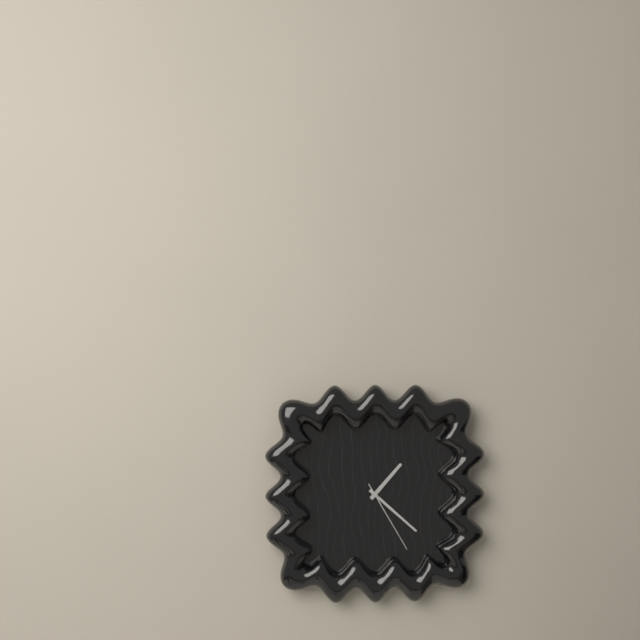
1:22:25
